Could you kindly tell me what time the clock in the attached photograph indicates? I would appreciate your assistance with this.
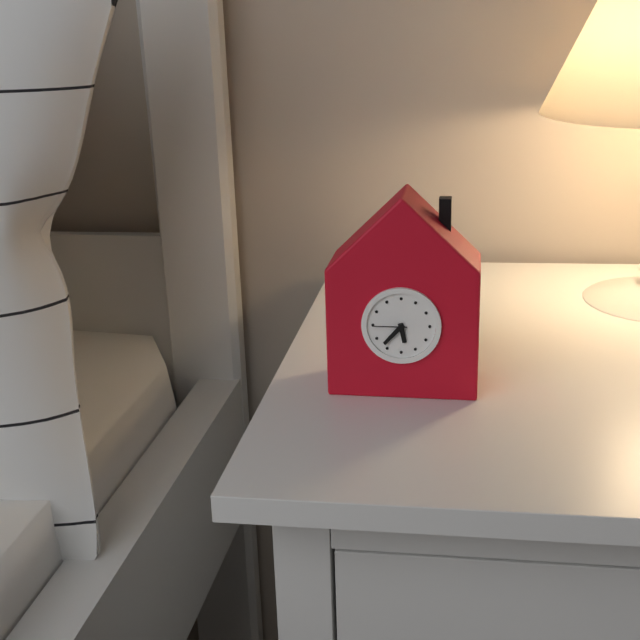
5:37
